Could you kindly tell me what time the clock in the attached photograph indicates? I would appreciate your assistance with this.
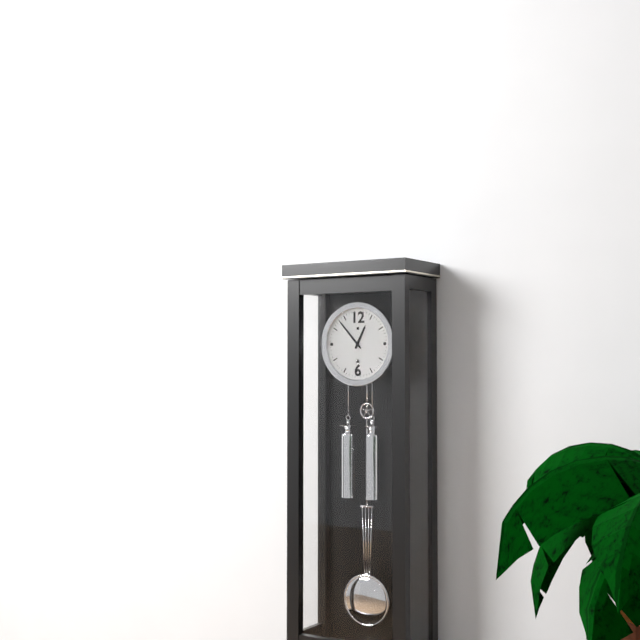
12:53
